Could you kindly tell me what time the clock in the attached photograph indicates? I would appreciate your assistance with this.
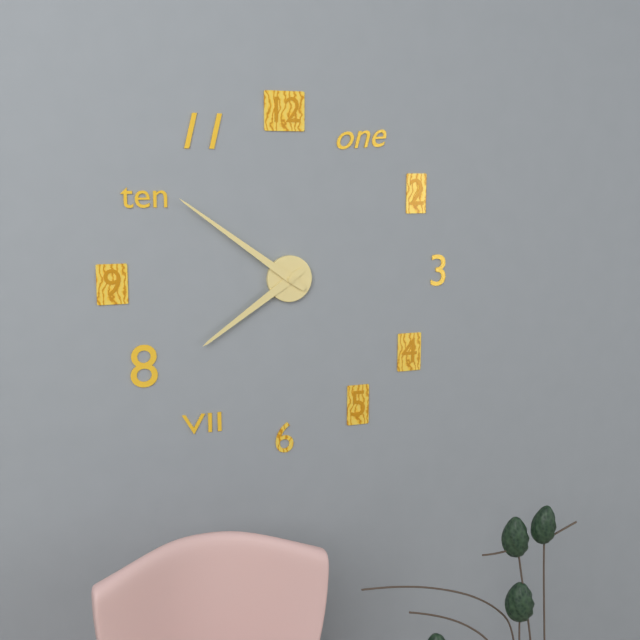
7:51
